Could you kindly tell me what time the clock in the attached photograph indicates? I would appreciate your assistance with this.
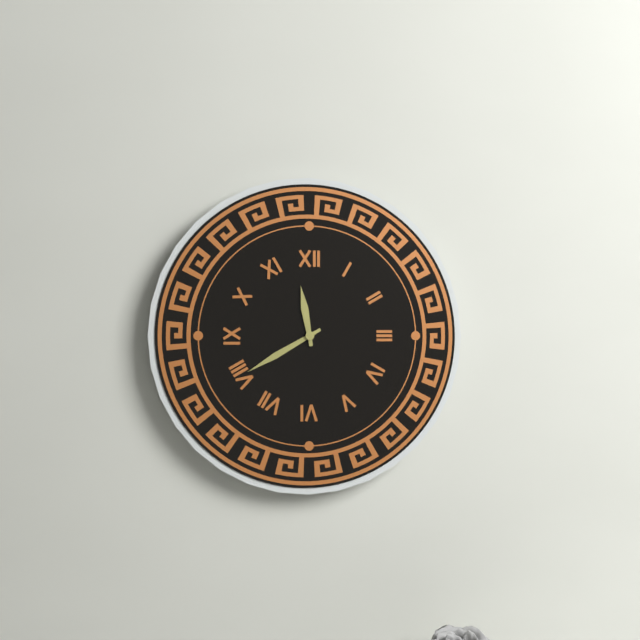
11:40
